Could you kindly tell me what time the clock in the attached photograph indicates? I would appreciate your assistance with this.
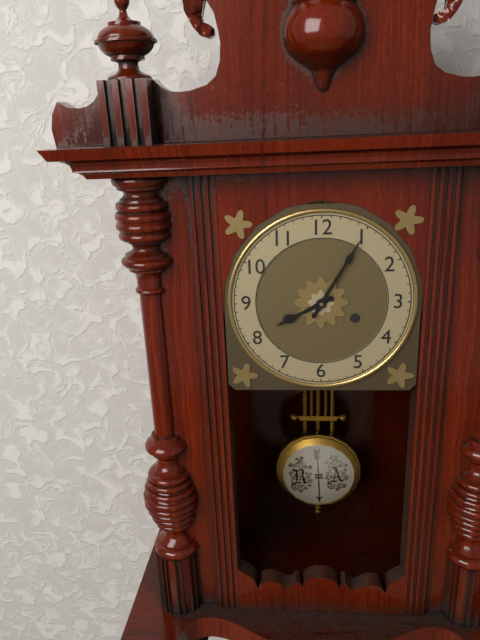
8:05
